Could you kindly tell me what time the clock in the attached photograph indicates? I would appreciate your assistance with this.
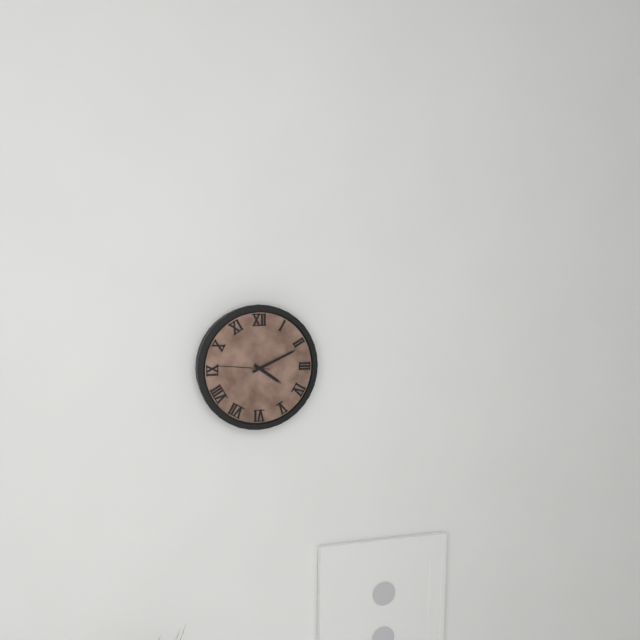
4:11:46
